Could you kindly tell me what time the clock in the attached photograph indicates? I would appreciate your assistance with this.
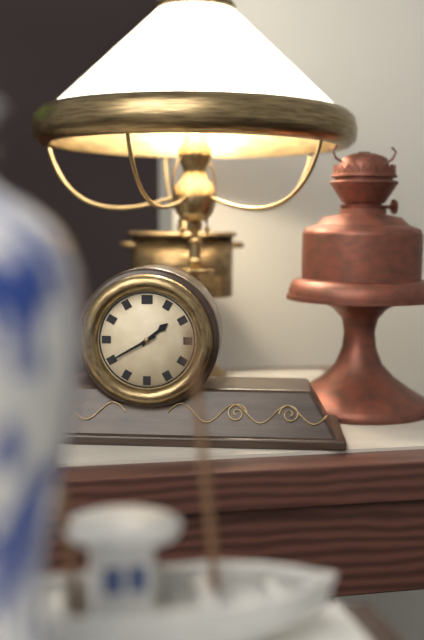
1:40
